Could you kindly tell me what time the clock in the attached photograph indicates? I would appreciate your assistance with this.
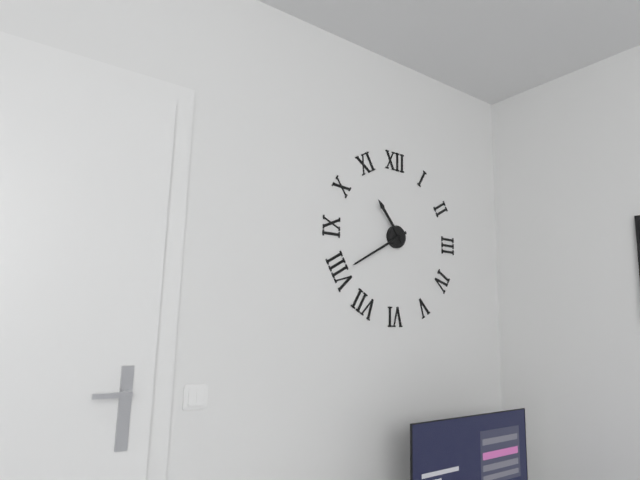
10:40
